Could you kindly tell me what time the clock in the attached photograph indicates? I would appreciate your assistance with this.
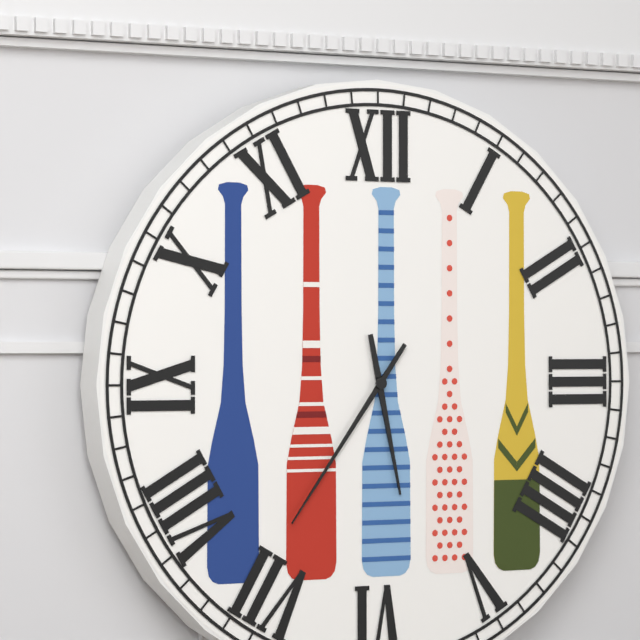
5:36
